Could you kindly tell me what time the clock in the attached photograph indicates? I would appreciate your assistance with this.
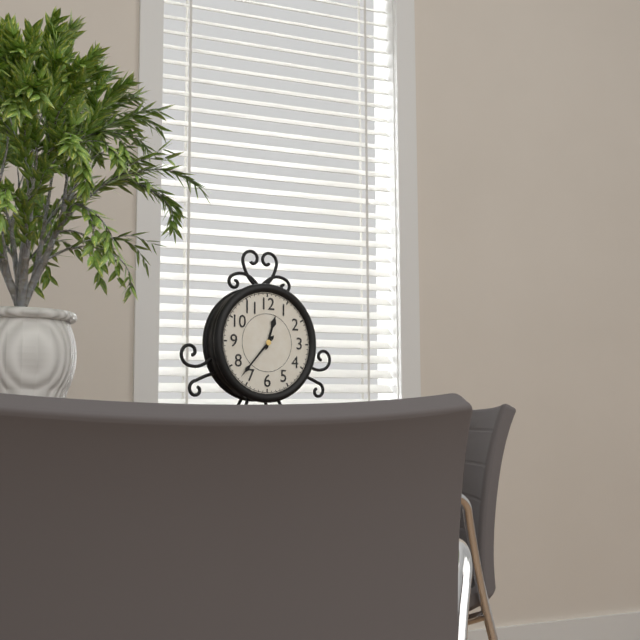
12:37
